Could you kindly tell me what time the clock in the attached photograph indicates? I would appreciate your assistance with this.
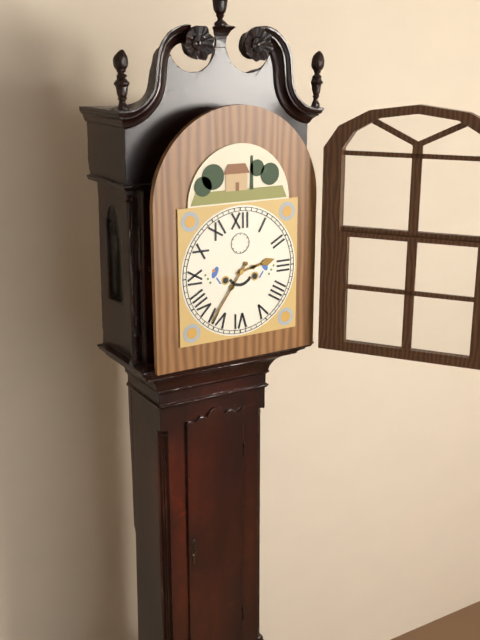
2:36
